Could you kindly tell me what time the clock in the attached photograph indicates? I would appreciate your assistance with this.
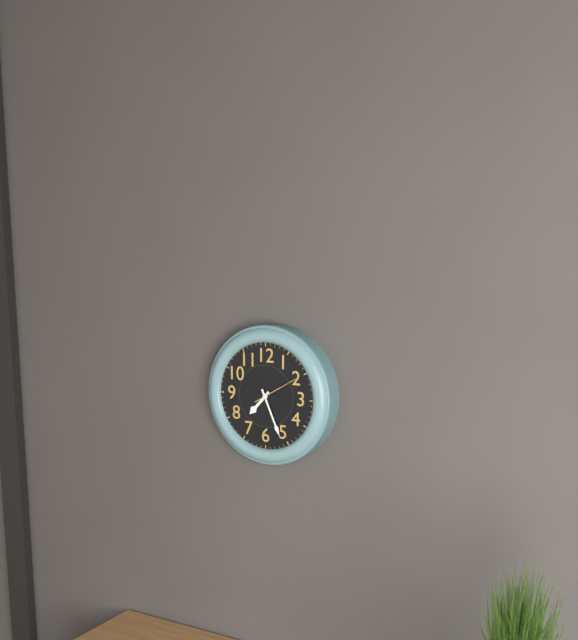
7:26
